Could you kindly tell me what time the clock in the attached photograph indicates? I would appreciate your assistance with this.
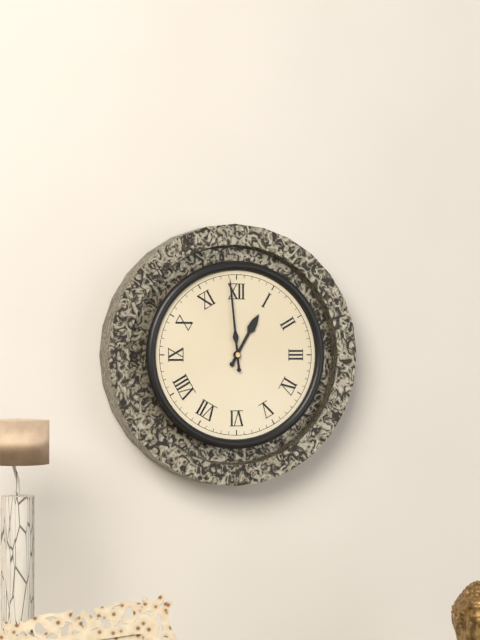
12:59
